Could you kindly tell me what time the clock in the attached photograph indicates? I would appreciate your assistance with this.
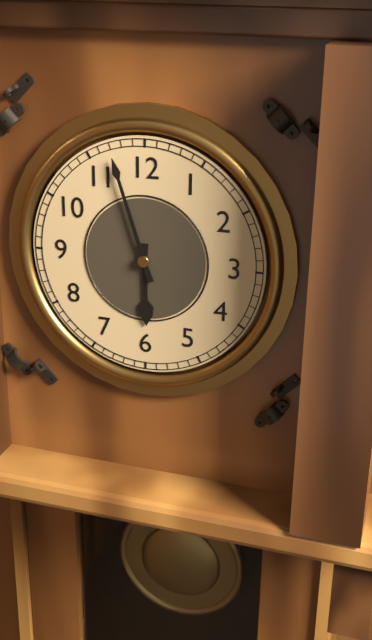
5:57
